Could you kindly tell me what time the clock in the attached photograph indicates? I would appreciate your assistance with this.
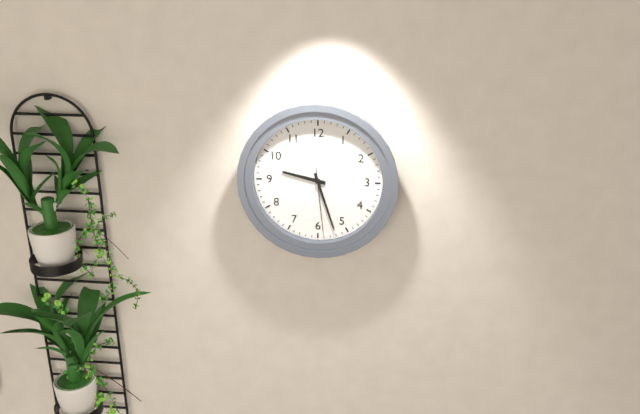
9:27:29
